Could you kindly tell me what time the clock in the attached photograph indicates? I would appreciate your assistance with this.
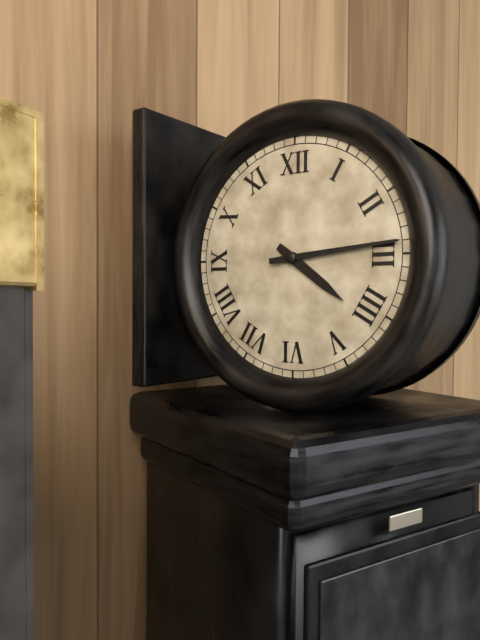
4:14
